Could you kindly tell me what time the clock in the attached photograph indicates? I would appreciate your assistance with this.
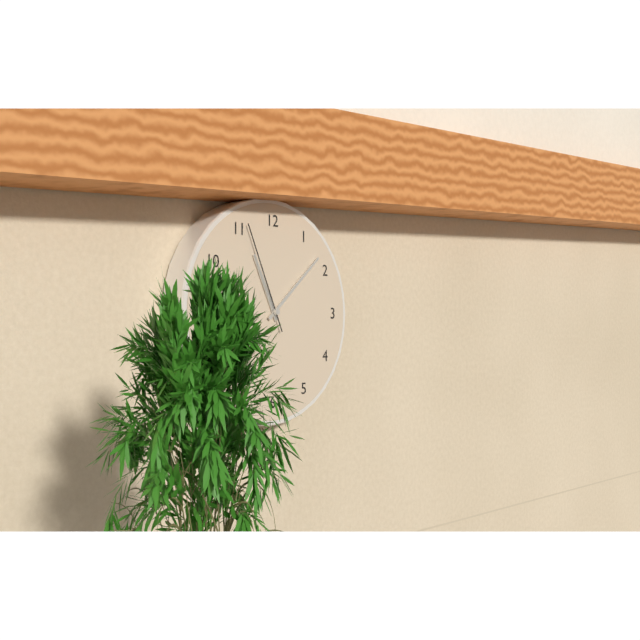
11:08:56
